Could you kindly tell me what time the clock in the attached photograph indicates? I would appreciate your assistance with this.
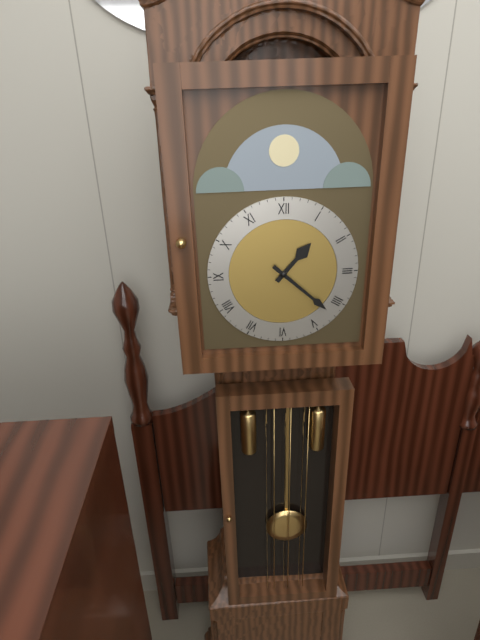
1:22
